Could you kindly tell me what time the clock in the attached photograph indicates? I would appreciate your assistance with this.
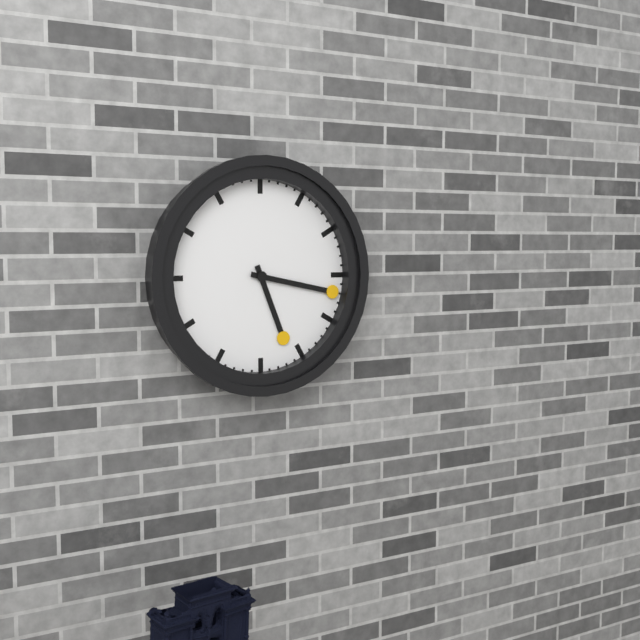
5:17
